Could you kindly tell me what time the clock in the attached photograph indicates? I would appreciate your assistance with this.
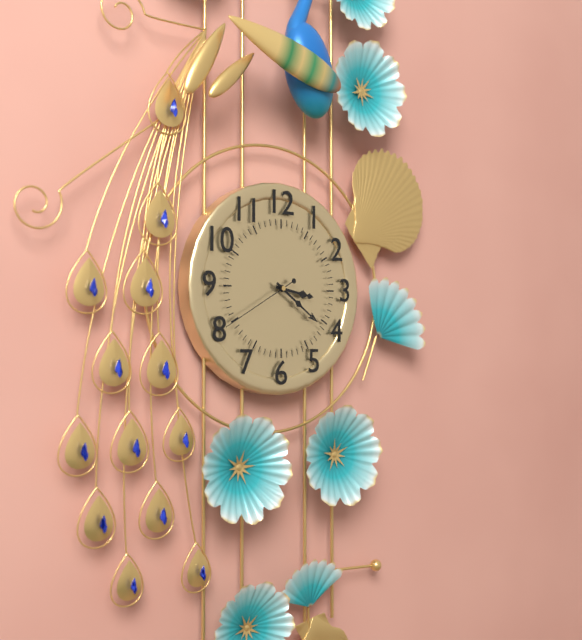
3:21:40
